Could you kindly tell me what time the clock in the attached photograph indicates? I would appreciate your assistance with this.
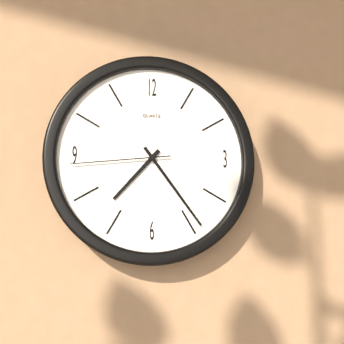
7:24:44
